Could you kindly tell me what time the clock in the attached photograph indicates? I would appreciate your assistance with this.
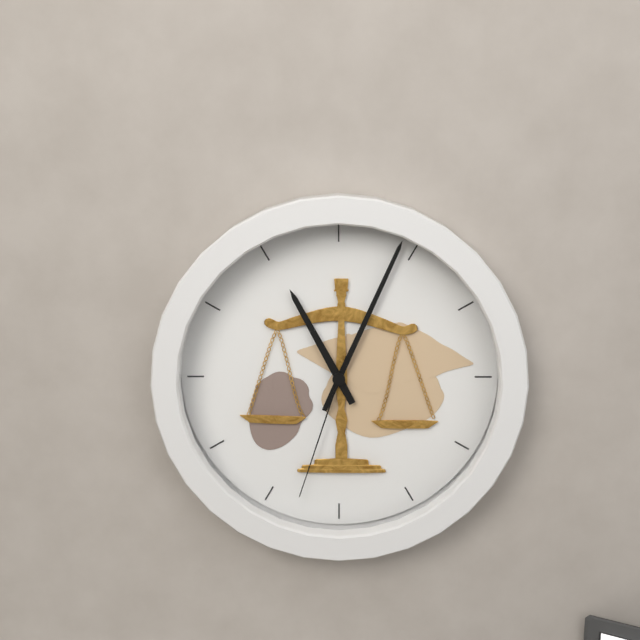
11:04:33
